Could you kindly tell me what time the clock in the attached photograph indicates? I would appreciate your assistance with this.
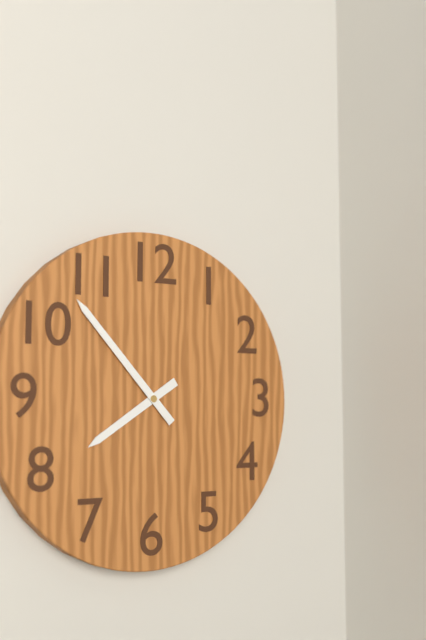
7:53
